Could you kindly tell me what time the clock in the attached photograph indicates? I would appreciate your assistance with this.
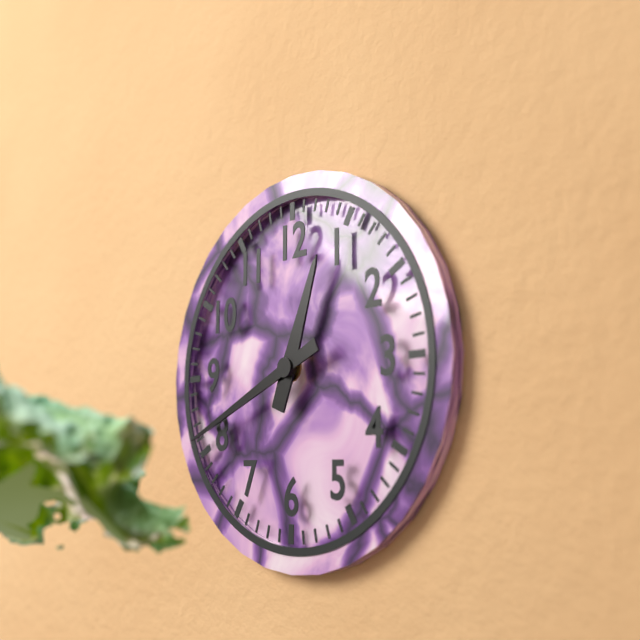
12:41
